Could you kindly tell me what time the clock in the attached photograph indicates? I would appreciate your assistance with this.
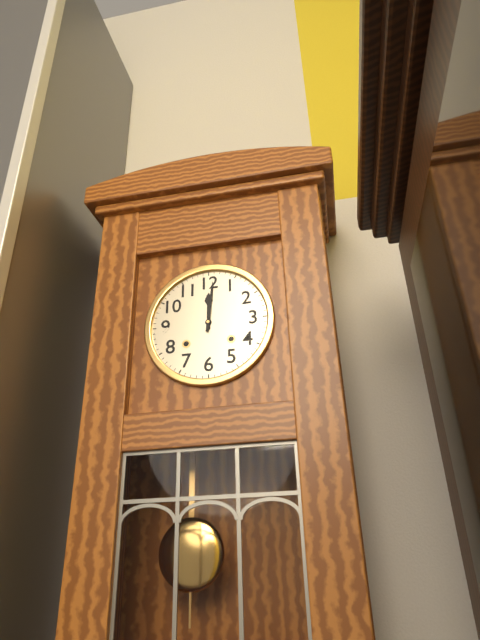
12:01
